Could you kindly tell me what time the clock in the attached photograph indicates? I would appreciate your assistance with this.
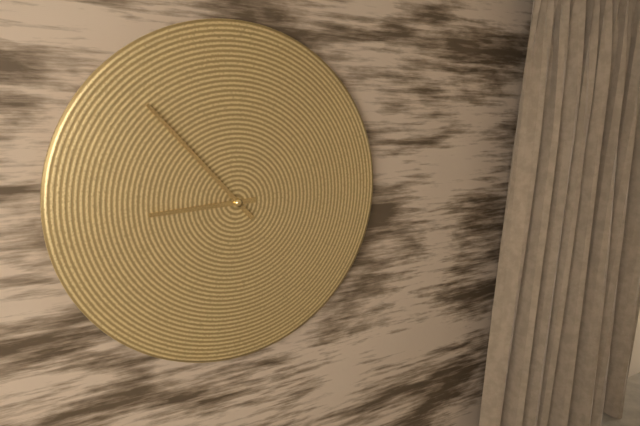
8:53
